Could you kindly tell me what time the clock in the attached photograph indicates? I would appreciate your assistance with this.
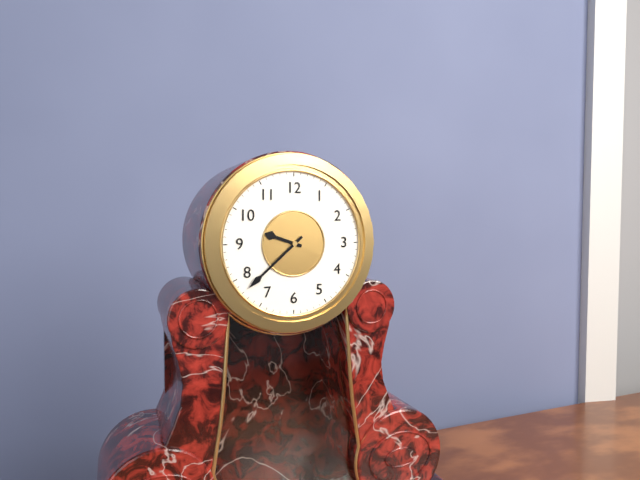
9:38
